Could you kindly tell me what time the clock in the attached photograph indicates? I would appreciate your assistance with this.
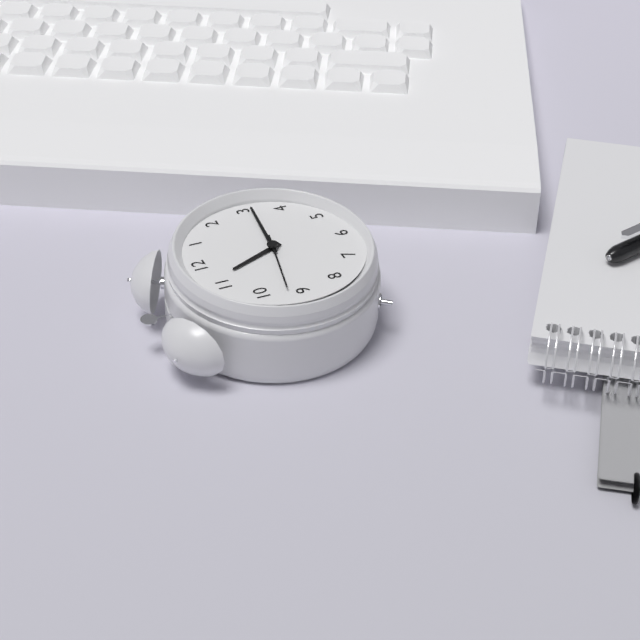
11:16
